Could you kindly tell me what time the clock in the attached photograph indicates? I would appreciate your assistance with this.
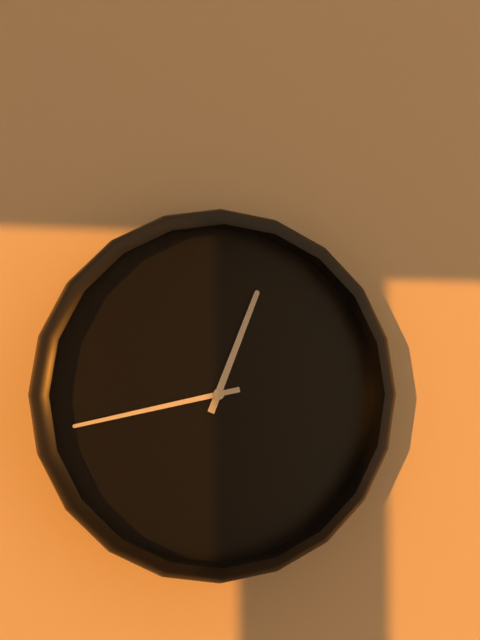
12:43
